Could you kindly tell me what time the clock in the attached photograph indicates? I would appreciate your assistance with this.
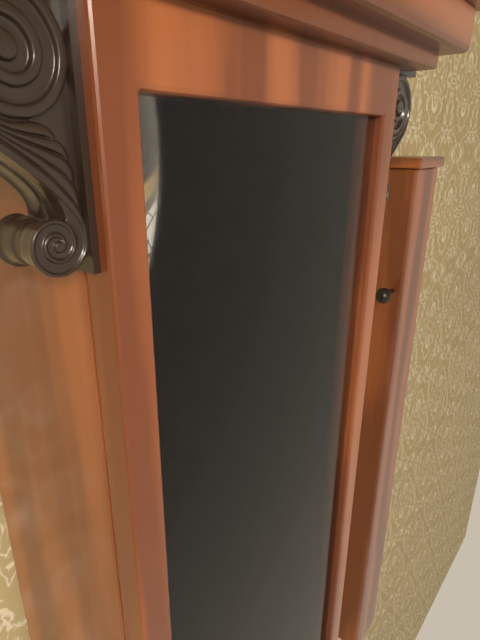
11:56
